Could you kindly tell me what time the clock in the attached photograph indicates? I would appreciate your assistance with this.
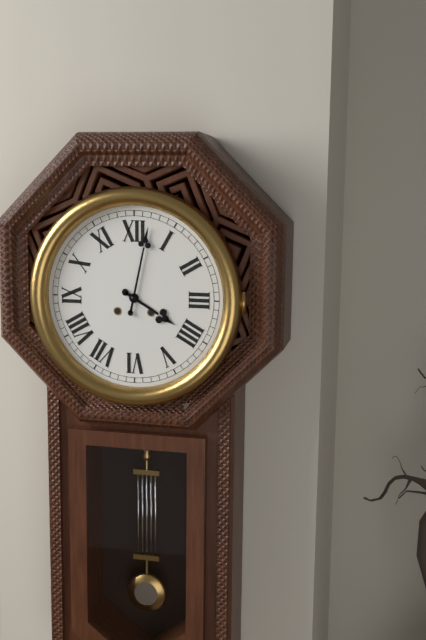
4:02
